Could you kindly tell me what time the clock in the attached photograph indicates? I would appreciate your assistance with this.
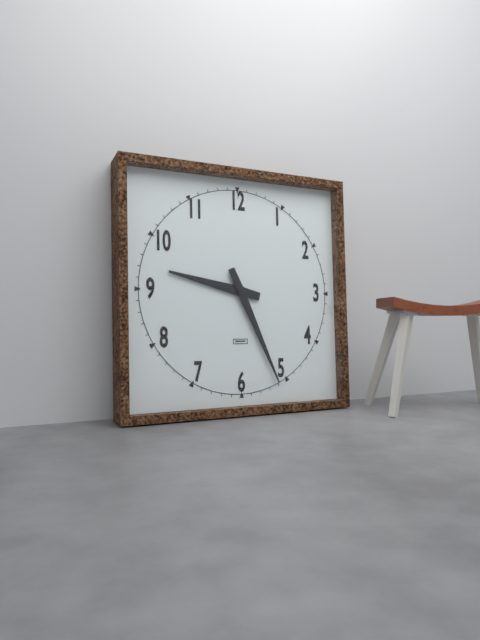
9:26
